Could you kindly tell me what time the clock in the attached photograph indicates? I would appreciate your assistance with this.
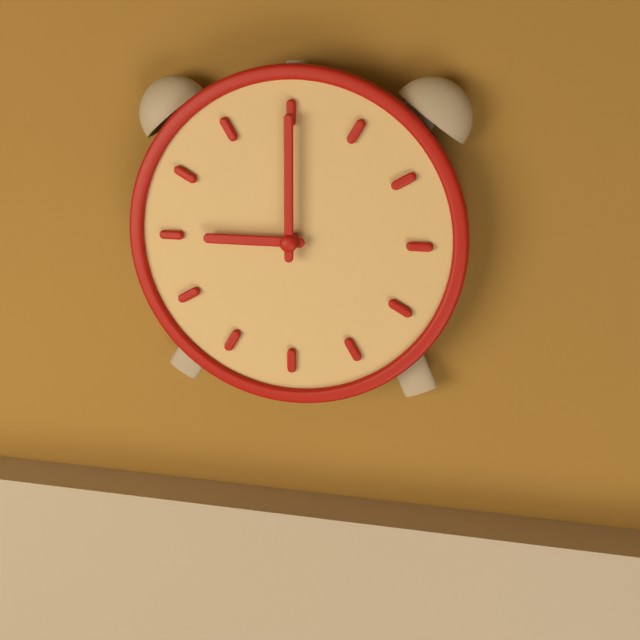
9:00
